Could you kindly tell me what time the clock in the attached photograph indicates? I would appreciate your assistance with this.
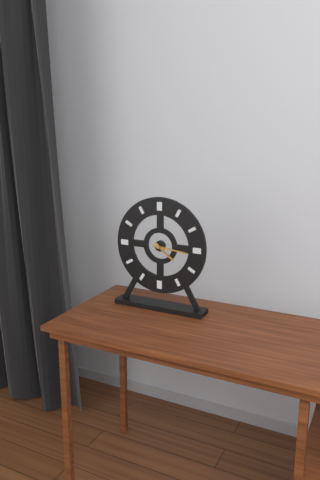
4:16
